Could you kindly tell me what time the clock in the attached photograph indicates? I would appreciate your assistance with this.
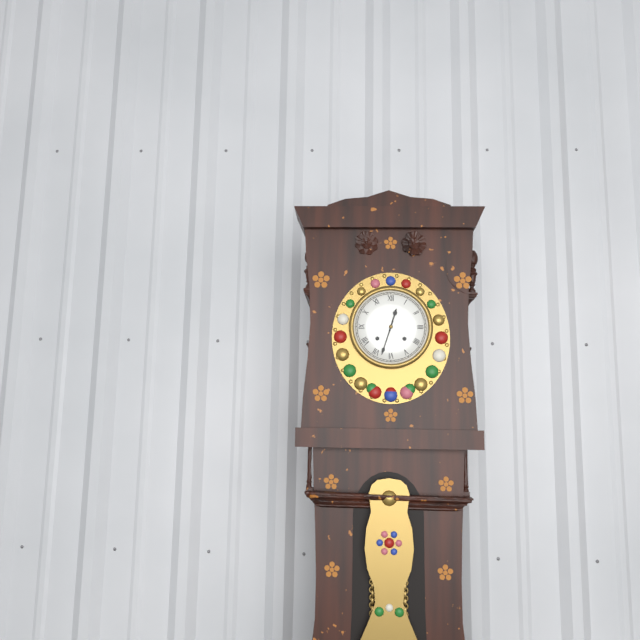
12:33
